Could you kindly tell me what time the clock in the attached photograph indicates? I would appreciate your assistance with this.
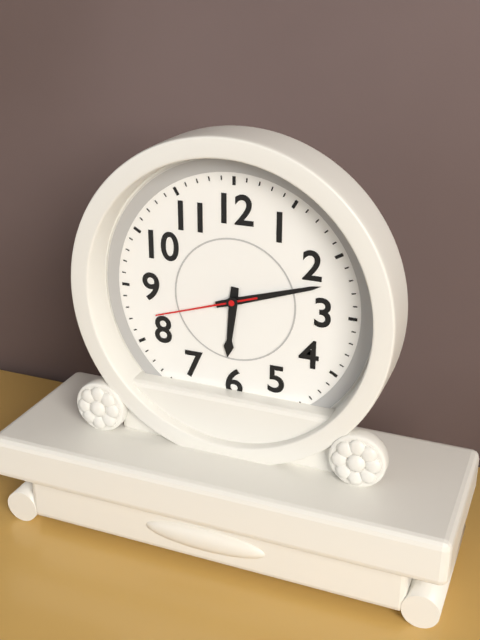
6:12:42
